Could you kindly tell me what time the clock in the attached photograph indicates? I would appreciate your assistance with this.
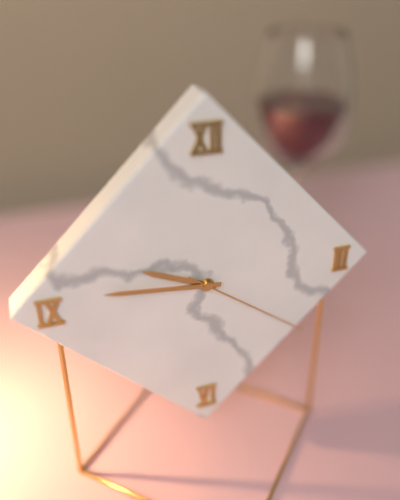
9:46:21
